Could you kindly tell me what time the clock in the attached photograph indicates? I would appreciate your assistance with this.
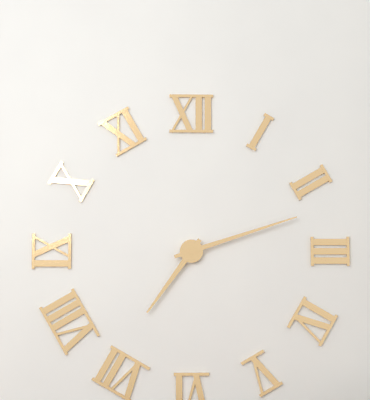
7:12
